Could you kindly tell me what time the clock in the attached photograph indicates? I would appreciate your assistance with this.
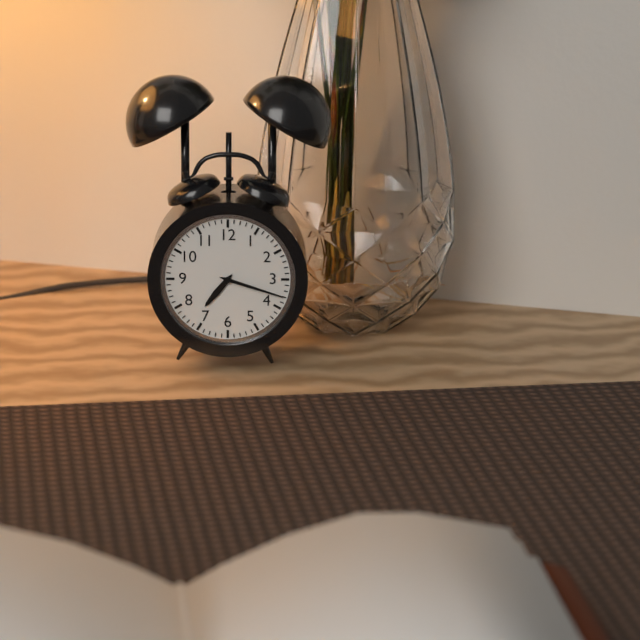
7:18
